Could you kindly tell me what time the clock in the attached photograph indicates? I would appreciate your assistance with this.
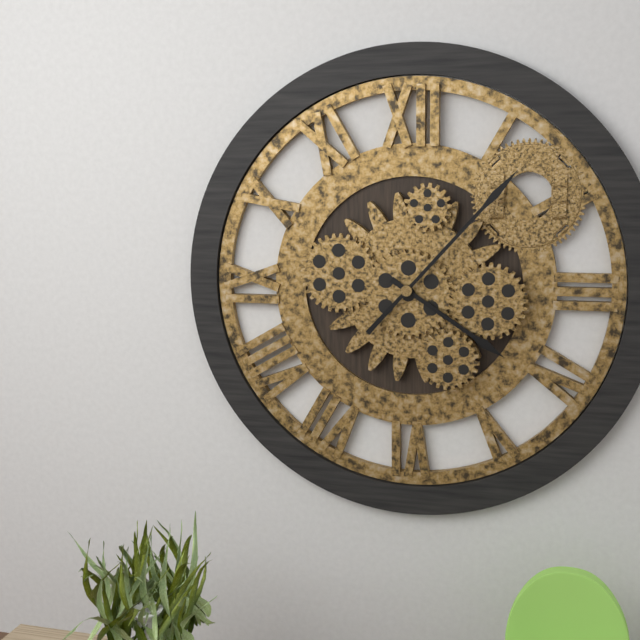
4:07
